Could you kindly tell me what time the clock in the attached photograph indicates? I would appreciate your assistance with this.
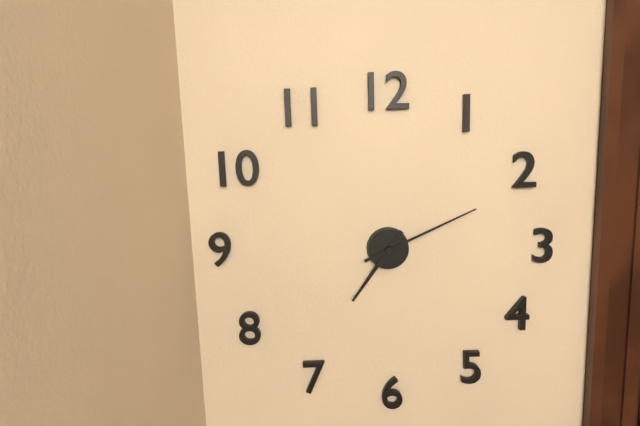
7:11
